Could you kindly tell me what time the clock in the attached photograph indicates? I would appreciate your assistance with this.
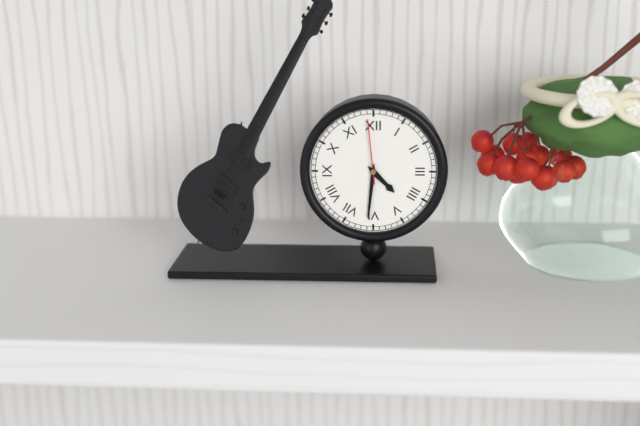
4:31:59
